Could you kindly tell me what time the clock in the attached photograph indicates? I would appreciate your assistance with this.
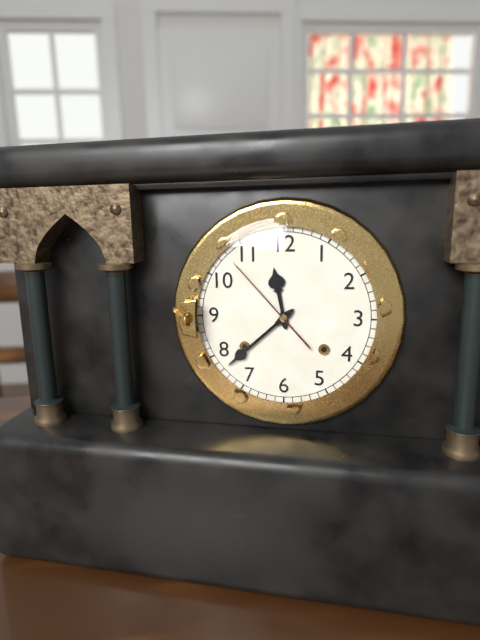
11:38:53
